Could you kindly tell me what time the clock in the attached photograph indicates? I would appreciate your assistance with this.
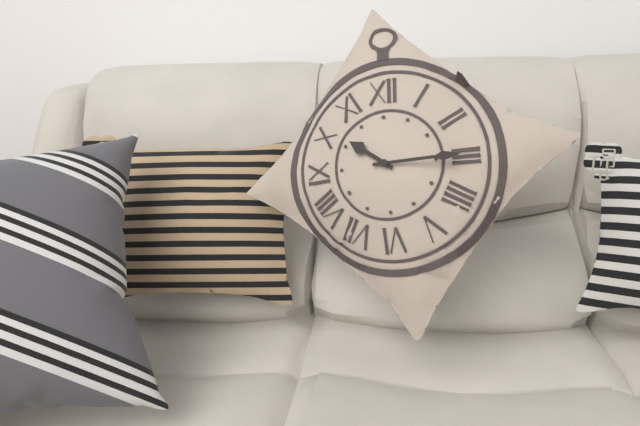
10:15
